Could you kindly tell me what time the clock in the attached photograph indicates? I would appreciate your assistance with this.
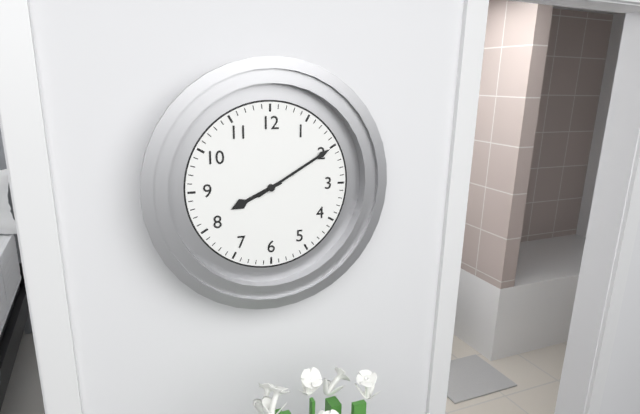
8:10
